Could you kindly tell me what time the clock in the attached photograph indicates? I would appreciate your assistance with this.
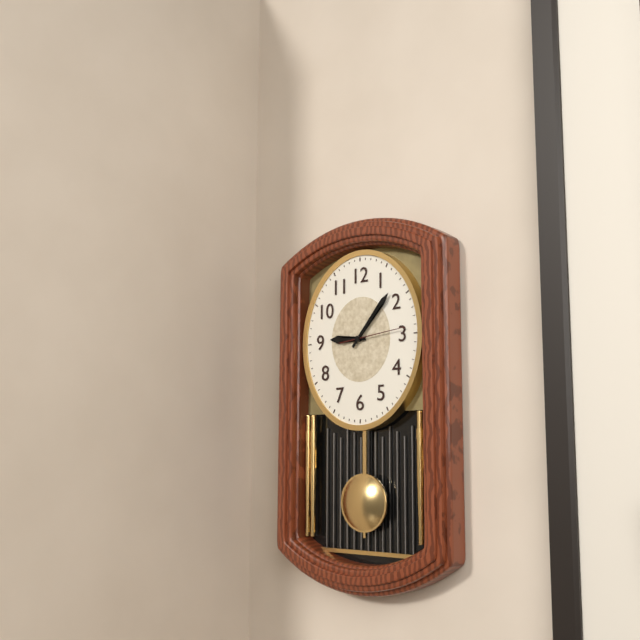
9:07:14
